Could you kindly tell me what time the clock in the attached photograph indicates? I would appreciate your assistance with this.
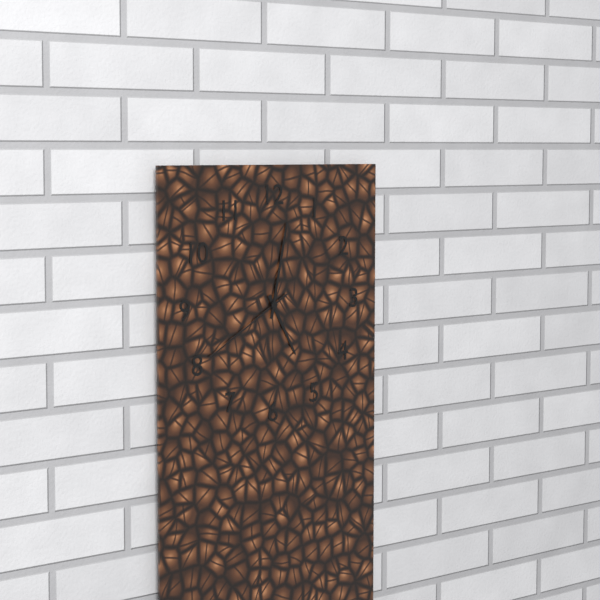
5:02:40
